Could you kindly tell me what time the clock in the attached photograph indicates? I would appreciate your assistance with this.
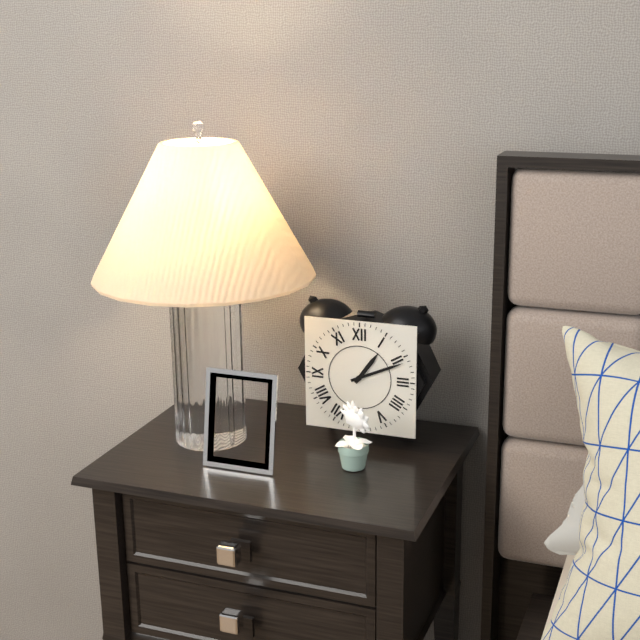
1:11
